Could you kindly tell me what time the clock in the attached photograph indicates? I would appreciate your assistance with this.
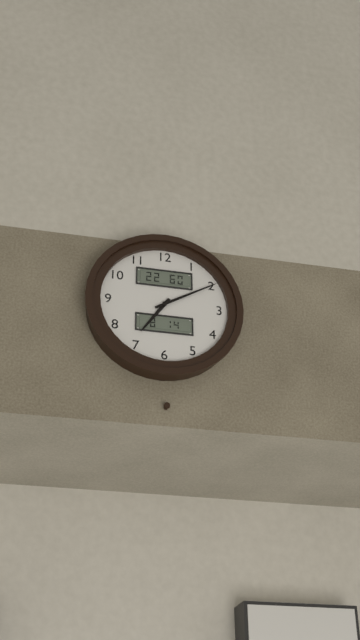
7:10
